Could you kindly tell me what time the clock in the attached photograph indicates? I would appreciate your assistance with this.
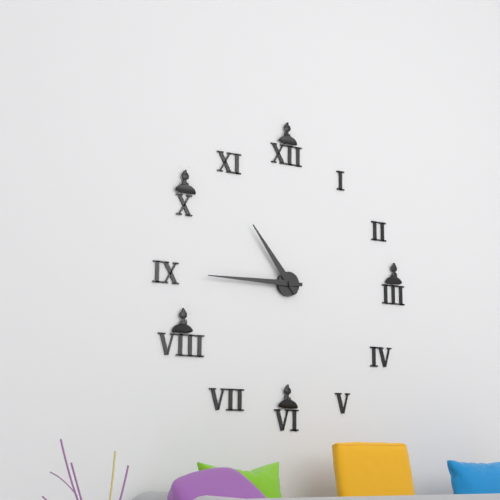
10:45
